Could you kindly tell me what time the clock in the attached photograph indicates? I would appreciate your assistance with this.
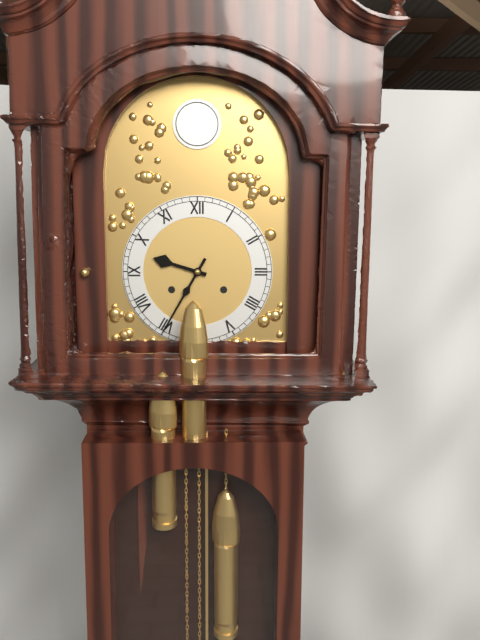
9:35
